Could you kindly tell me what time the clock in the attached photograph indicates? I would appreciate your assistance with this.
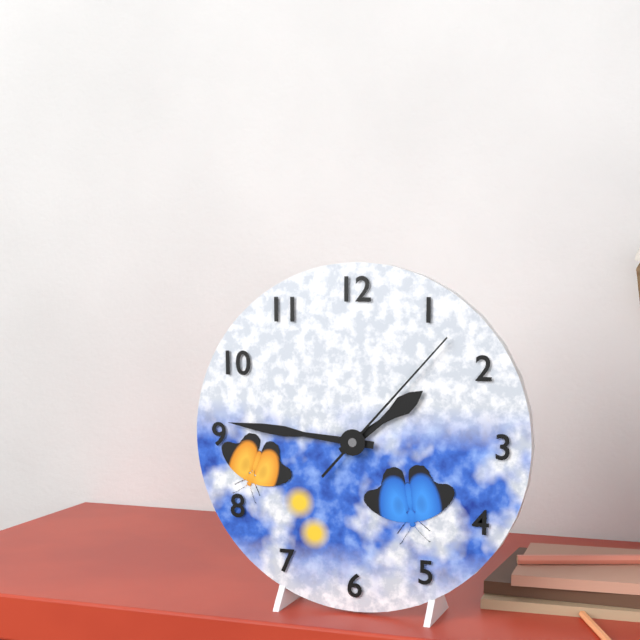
1:46:07
